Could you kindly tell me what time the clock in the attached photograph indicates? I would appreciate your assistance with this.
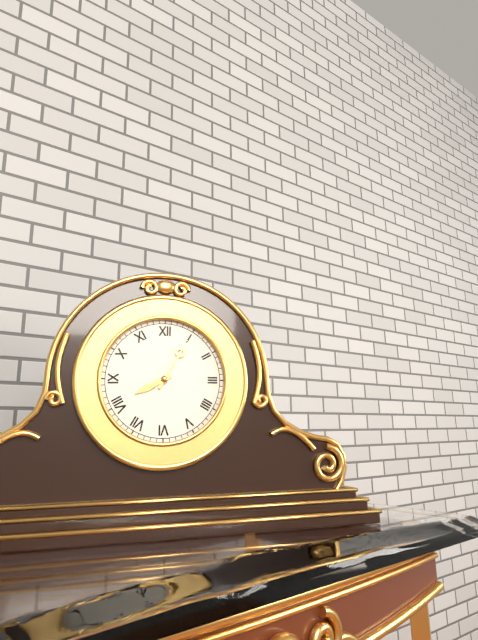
8:05
